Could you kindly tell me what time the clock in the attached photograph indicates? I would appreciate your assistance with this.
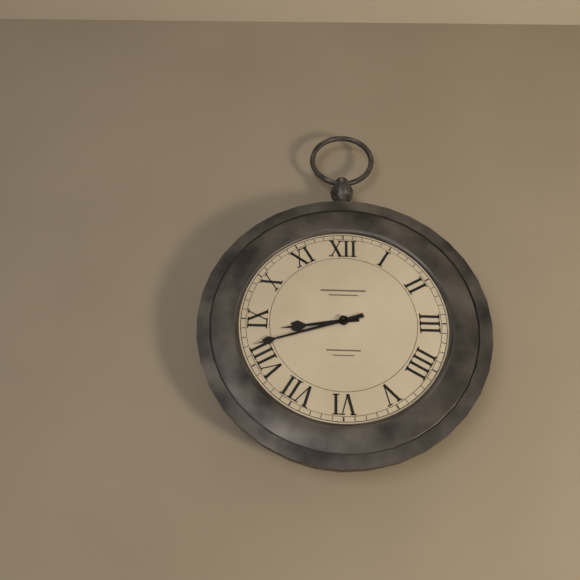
8:42
